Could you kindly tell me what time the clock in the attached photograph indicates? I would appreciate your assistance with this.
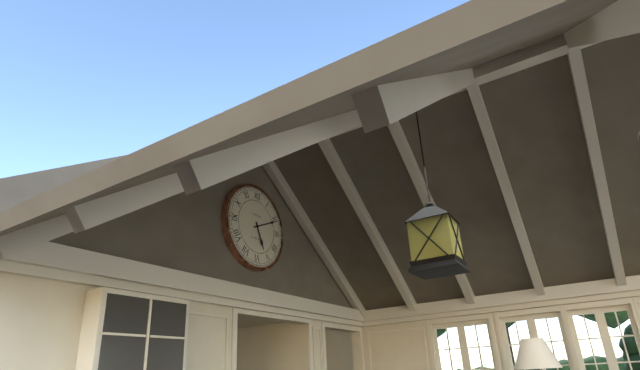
5:11
